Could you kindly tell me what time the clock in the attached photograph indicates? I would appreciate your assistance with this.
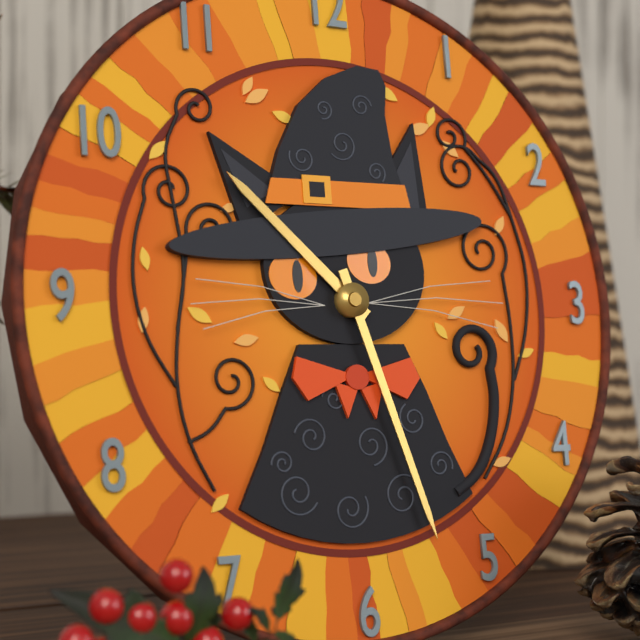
10:27
